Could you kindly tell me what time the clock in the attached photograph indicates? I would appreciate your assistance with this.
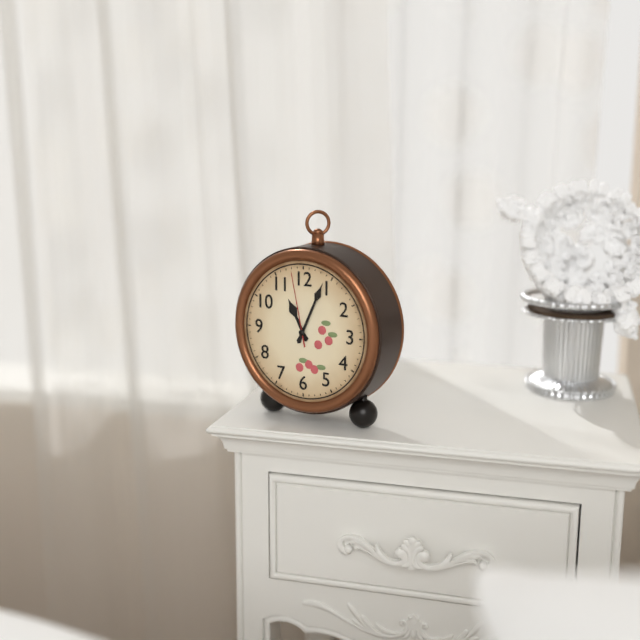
11:04:58
